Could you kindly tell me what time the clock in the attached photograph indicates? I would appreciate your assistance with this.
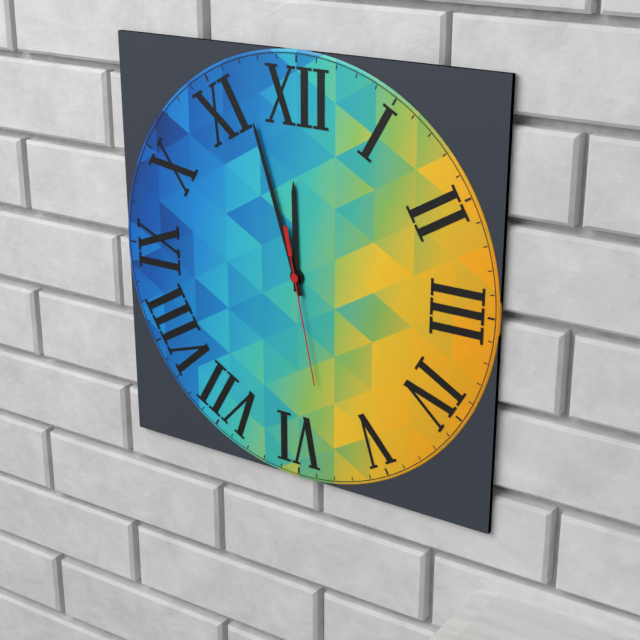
11:57:28
